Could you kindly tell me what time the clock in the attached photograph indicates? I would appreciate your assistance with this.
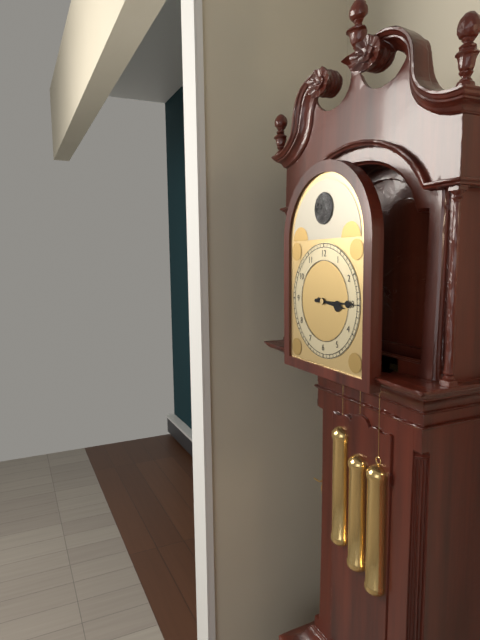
3:15
